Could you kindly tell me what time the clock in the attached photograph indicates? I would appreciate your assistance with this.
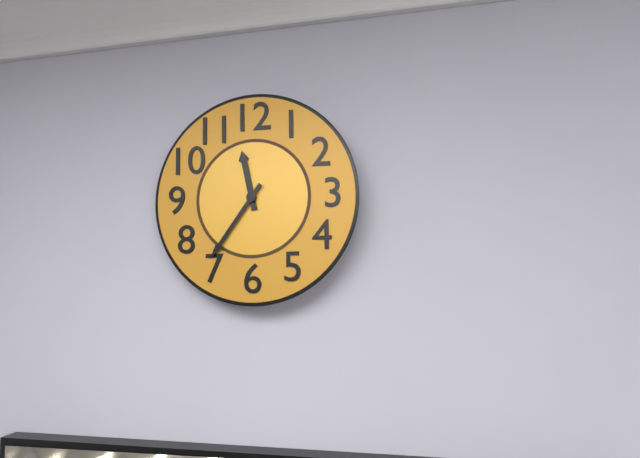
11:36
